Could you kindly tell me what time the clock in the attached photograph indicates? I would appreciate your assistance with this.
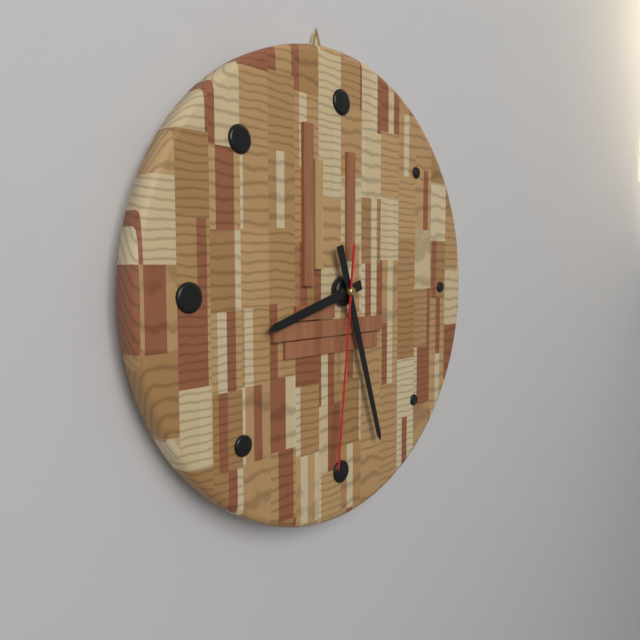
8:27:31
